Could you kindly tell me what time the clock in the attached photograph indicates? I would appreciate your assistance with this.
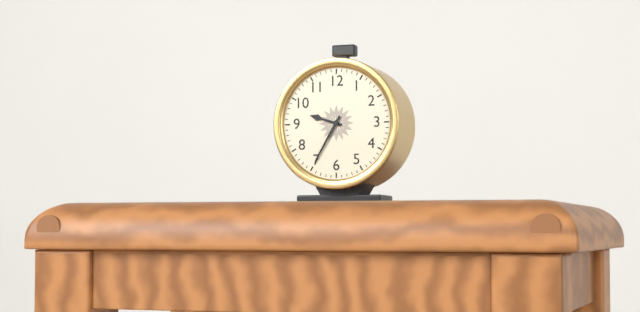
9:35
